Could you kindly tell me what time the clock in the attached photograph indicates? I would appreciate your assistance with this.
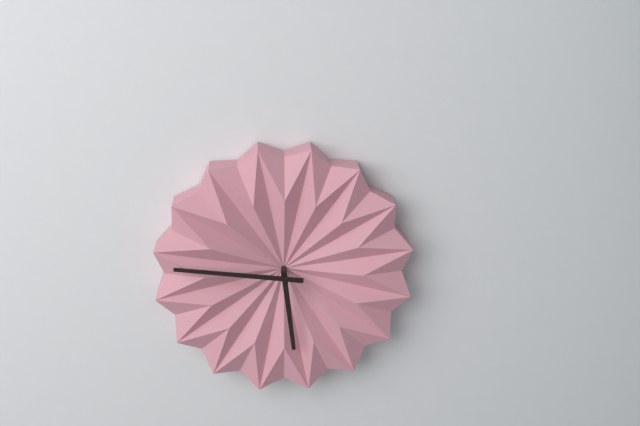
5:46
